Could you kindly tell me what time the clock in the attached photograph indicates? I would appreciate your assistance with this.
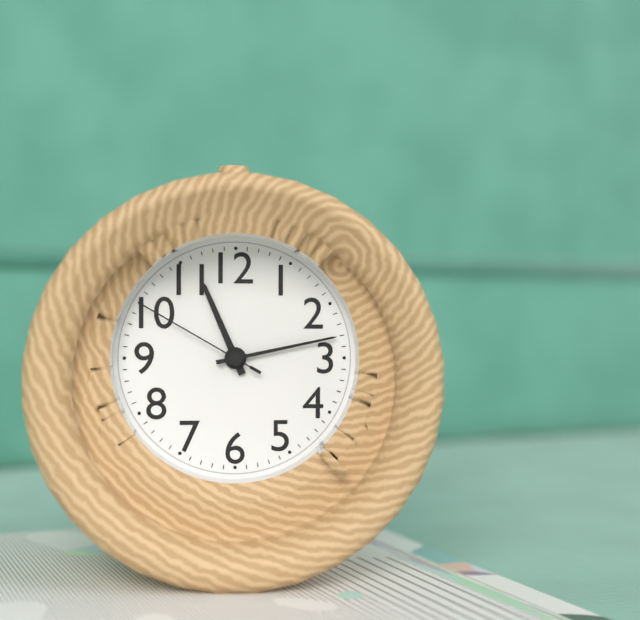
11:13:50
